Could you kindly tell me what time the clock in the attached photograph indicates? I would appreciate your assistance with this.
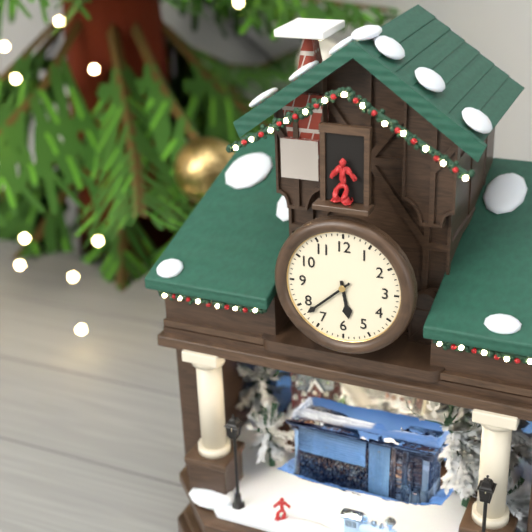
5:38
